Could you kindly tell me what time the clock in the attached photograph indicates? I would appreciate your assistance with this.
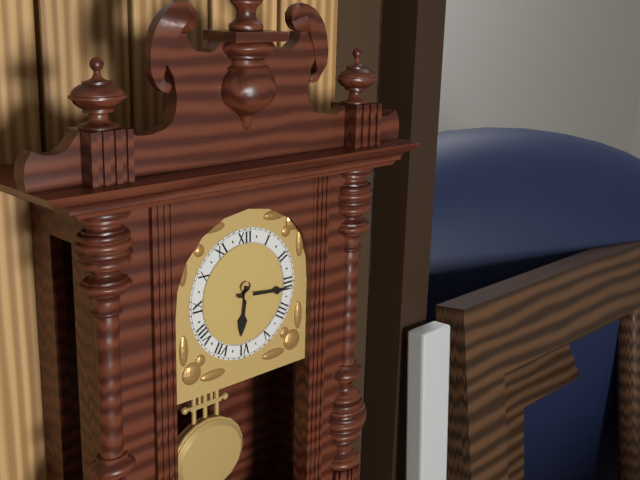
6:16
